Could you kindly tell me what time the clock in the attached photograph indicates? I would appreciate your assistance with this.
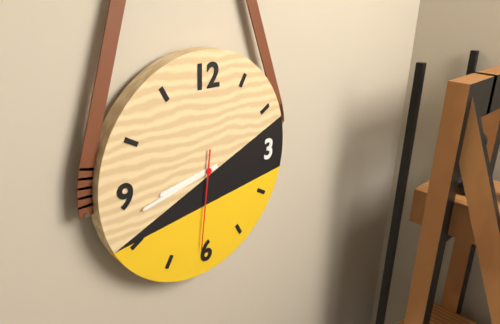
8:43:31
